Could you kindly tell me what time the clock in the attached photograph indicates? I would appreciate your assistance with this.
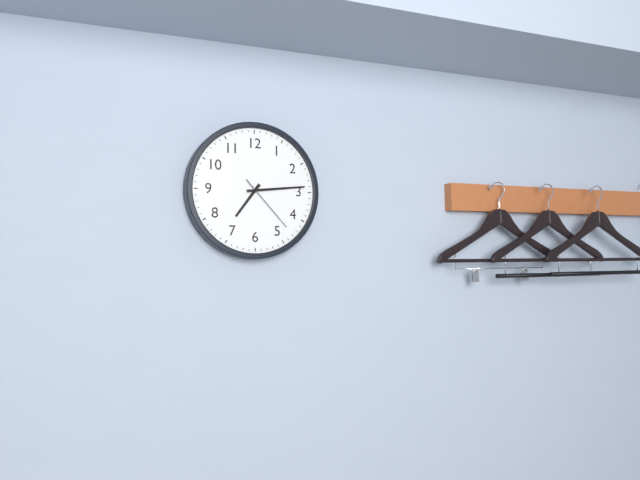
7:14:23
